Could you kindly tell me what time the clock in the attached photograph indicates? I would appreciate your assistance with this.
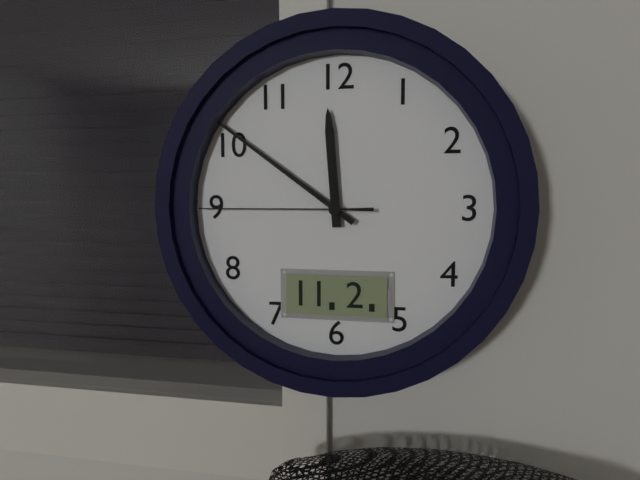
11:51:45
